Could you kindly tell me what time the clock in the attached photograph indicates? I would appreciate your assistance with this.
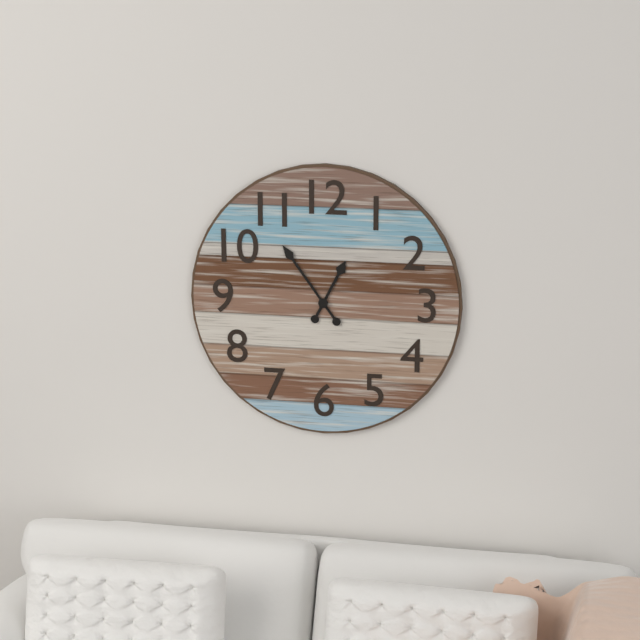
12:54
